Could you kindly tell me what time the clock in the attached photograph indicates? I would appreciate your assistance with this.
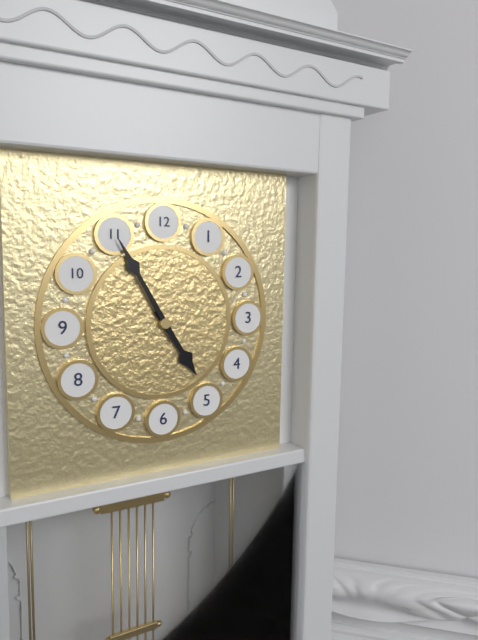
4:55
